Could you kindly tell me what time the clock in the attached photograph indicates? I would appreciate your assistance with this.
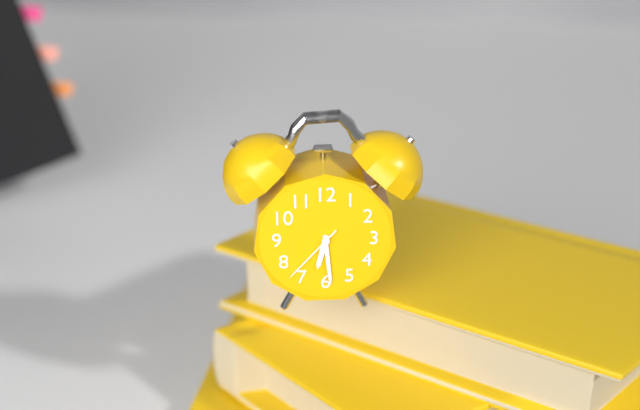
6:29:37
